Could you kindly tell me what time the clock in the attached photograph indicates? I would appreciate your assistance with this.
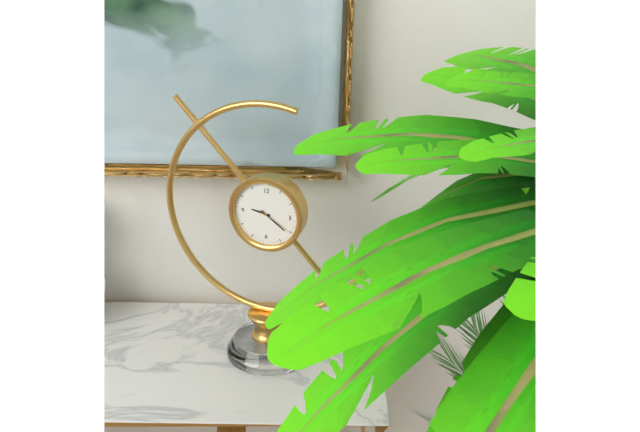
9:21
